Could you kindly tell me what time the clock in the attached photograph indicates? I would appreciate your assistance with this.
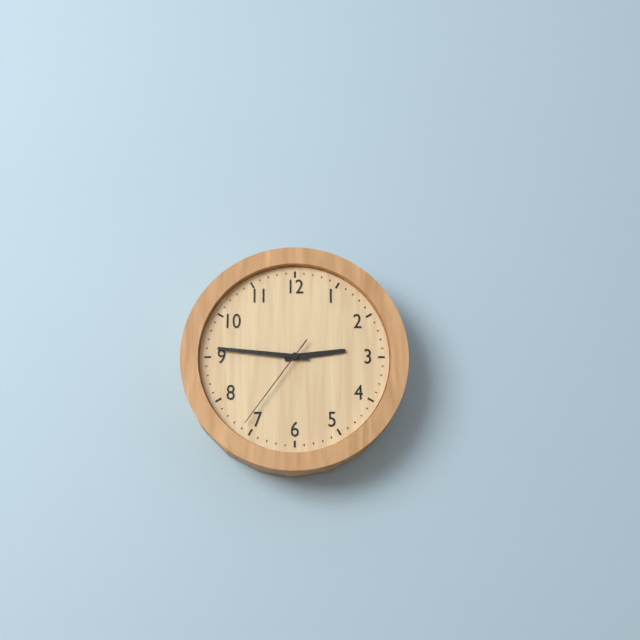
2:46:36
